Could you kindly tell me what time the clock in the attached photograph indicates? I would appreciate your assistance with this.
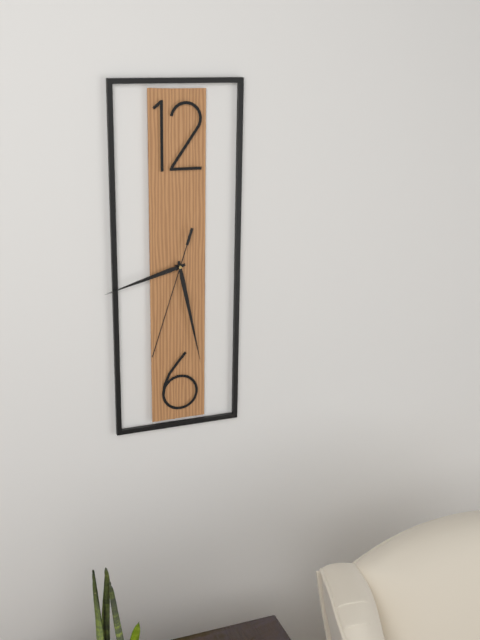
8:28:33
